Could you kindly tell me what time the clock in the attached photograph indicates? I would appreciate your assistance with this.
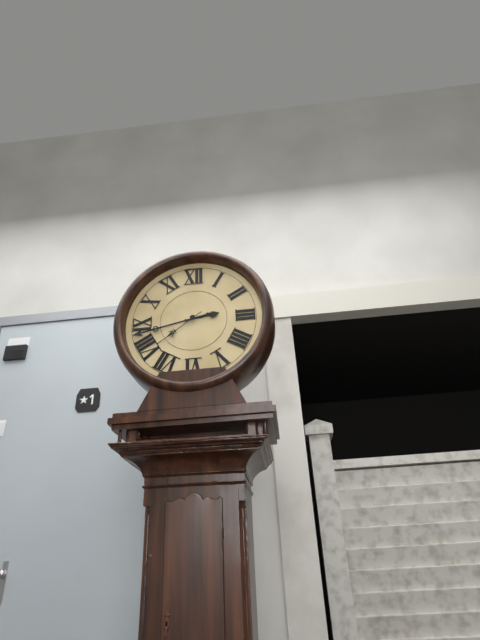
2:43:39
